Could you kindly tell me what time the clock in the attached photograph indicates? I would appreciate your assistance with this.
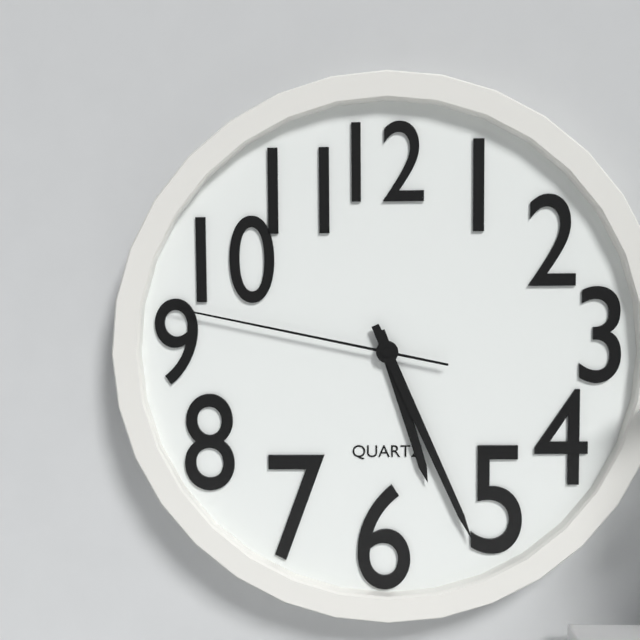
5:26:47
